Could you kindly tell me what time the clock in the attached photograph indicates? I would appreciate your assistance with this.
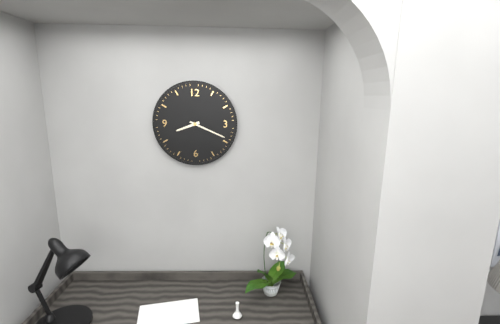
8:19
